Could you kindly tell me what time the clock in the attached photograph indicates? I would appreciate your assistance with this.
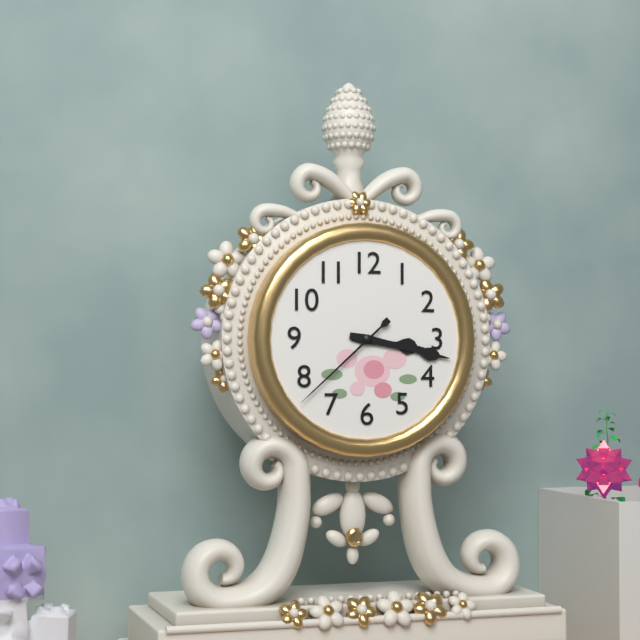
3:17:38
